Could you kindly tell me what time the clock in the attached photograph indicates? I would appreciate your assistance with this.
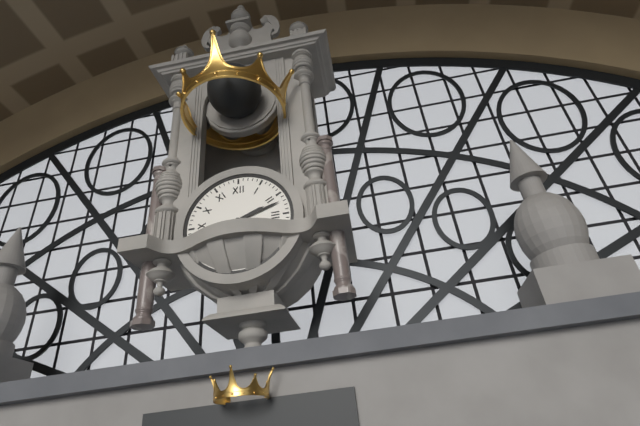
2:12
